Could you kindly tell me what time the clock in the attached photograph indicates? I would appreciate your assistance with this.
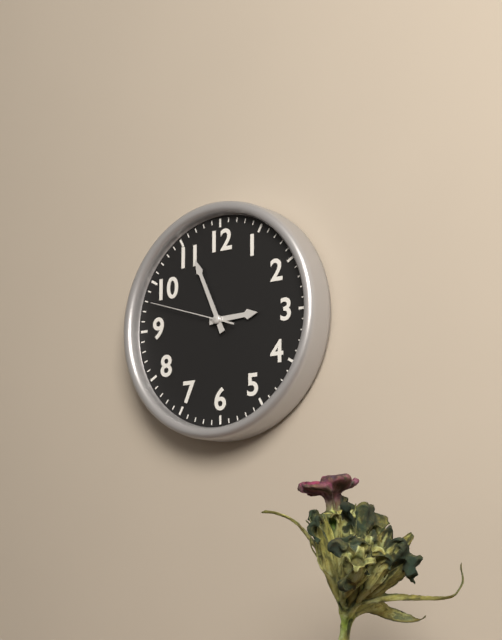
2:56:48
